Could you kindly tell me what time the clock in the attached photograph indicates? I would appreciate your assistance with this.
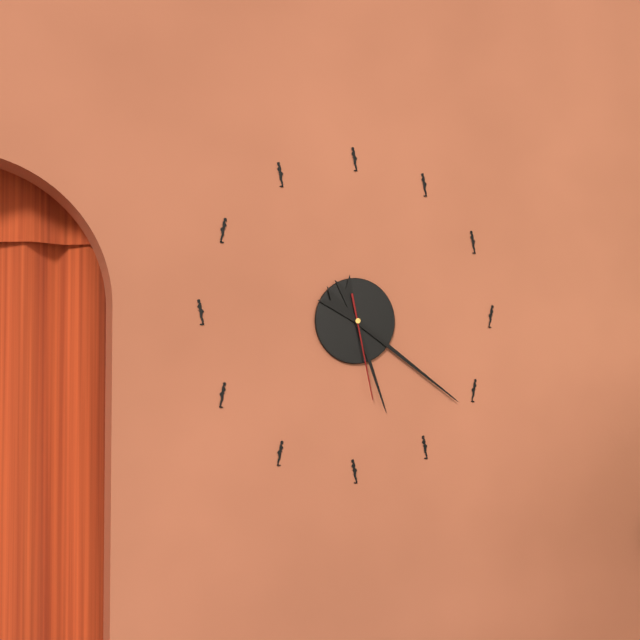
5:21:28
